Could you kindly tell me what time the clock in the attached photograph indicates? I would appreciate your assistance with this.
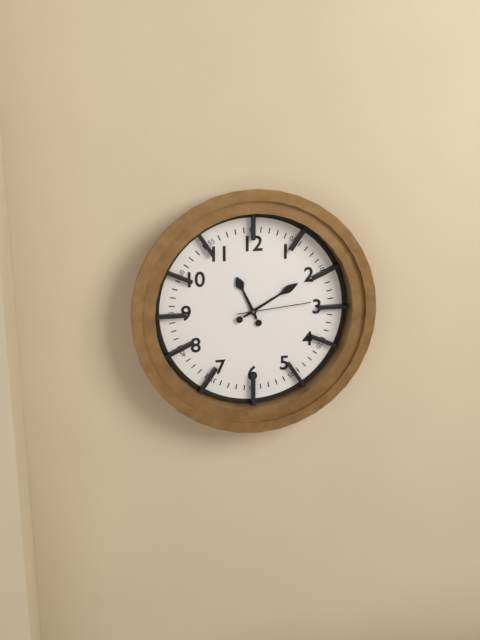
11:10:14
